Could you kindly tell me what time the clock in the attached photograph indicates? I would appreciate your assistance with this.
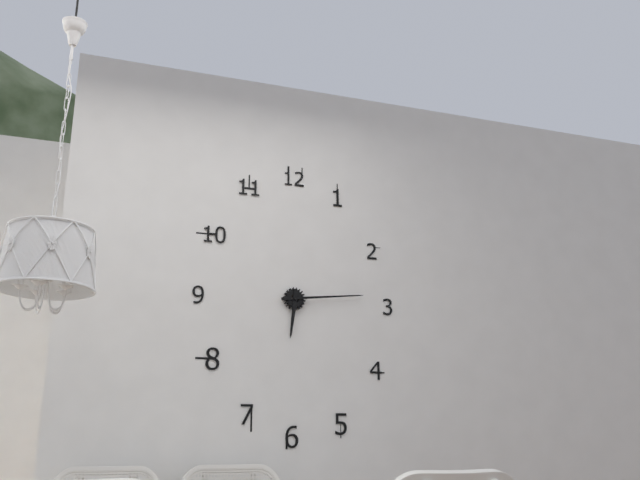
6:14
